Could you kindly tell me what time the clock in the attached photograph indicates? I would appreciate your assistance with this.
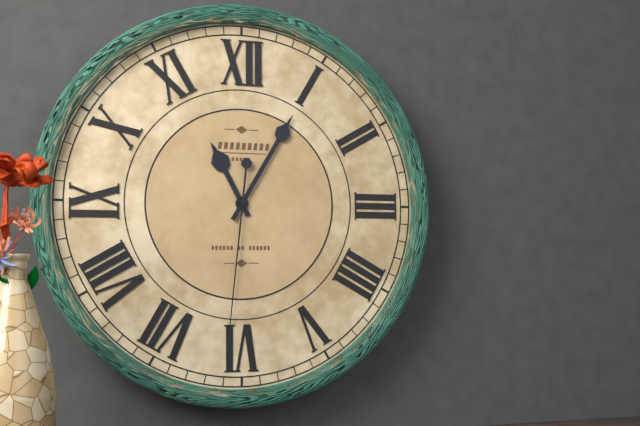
11:05:31
